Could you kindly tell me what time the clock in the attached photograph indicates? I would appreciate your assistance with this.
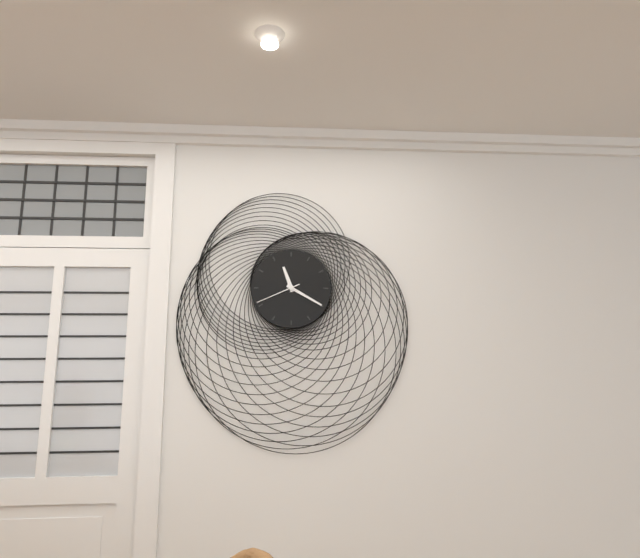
11:20
